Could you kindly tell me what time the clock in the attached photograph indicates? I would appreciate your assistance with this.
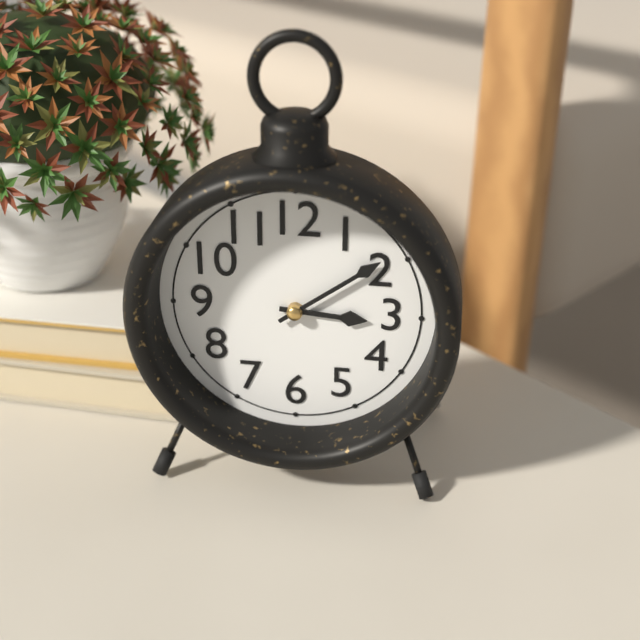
3:09
